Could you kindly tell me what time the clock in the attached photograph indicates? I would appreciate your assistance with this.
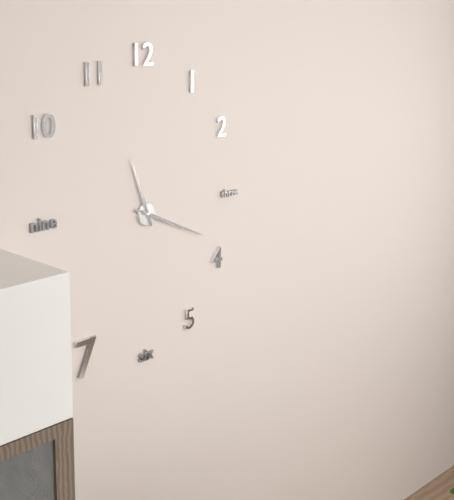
11:19
